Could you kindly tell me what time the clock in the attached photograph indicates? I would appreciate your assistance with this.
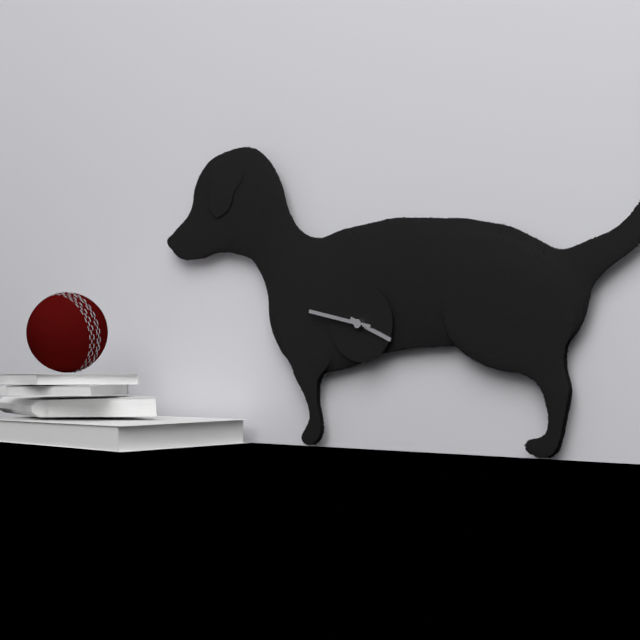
3:47
